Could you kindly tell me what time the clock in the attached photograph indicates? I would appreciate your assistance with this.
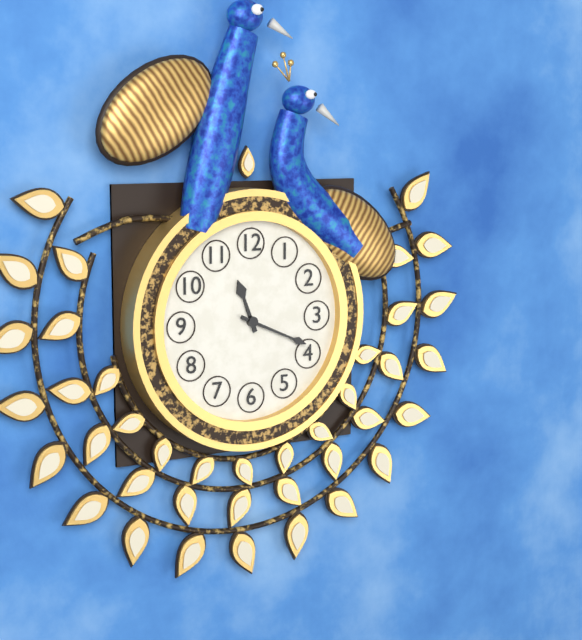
11:19
